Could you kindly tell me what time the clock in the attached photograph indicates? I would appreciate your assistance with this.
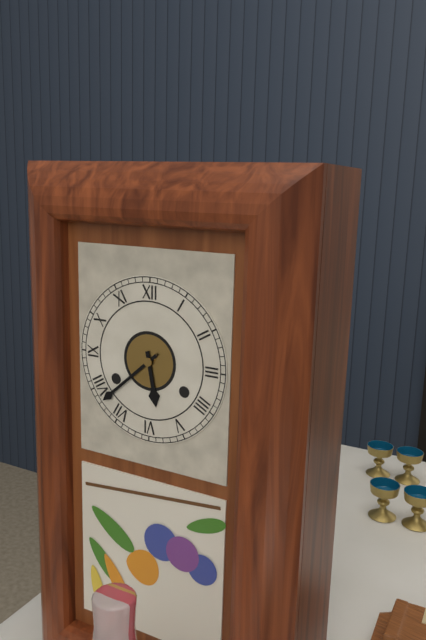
5:38
